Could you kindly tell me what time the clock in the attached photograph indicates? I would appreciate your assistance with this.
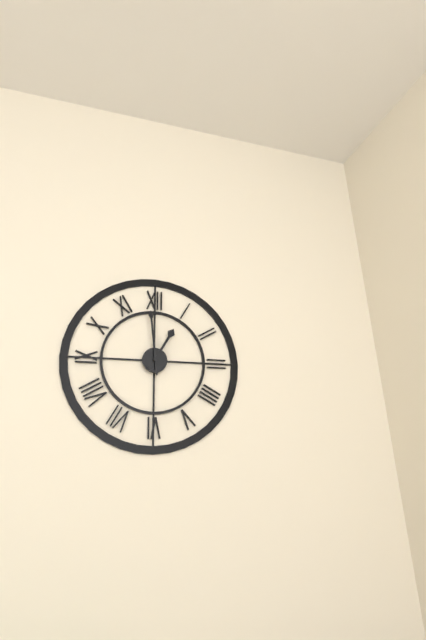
12:59
